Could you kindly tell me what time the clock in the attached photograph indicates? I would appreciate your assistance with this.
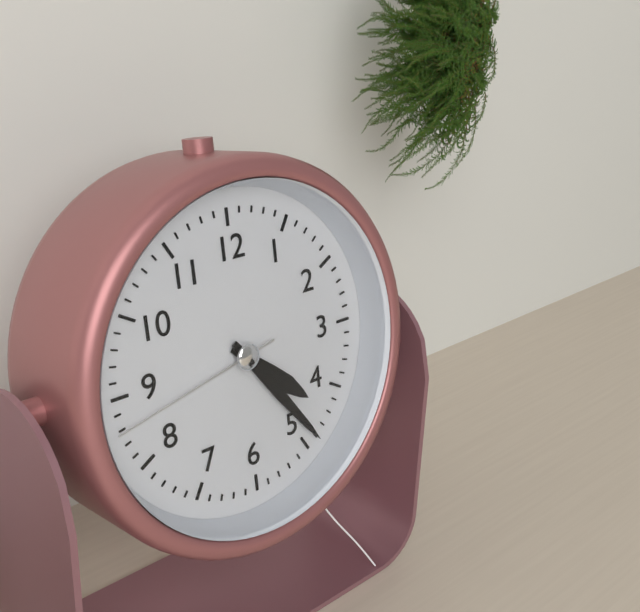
4:24:43
